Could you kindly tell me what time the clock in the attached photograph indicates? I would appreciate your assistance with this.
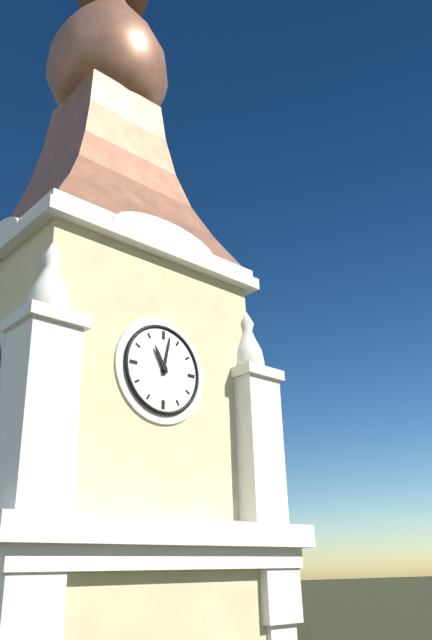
11:02
